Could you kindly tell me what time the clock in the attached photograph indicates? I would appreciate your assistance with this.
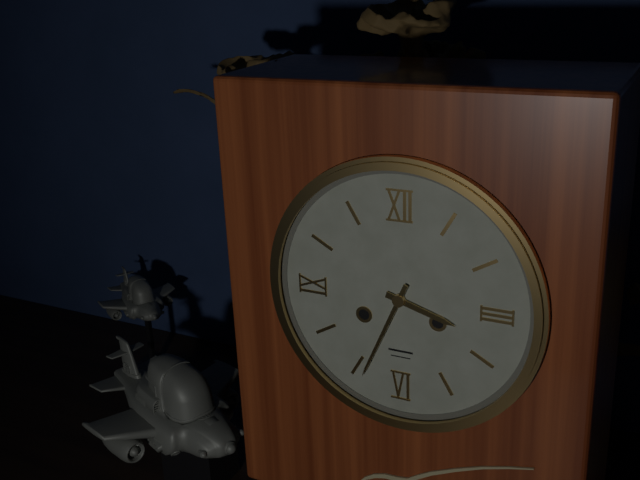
3:34
